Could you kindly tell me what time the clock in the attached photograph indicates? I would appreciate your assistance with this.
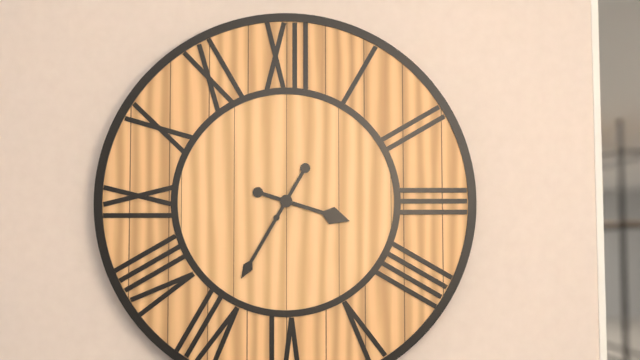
3:35
